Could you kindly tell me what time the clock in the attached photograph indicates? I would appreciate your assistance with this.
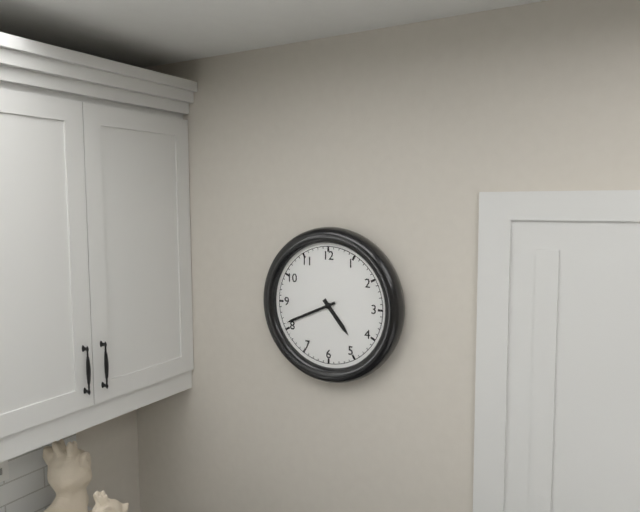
4:41
